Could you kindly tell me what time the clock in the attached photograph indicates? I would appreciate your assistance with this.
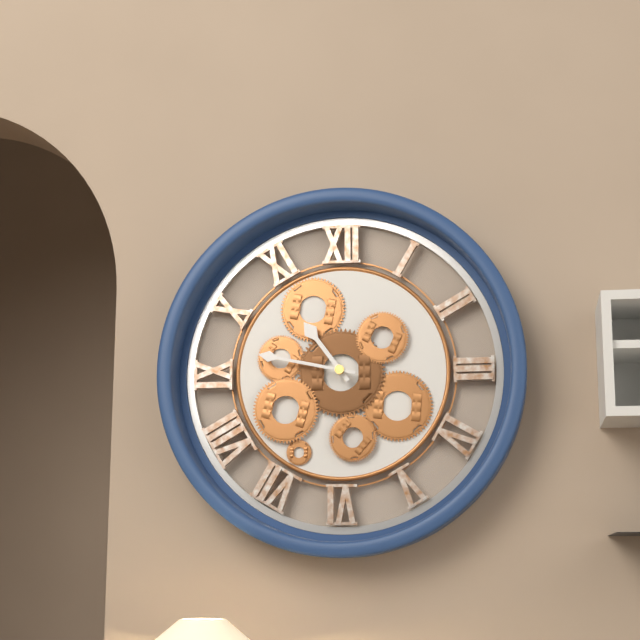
10:47
